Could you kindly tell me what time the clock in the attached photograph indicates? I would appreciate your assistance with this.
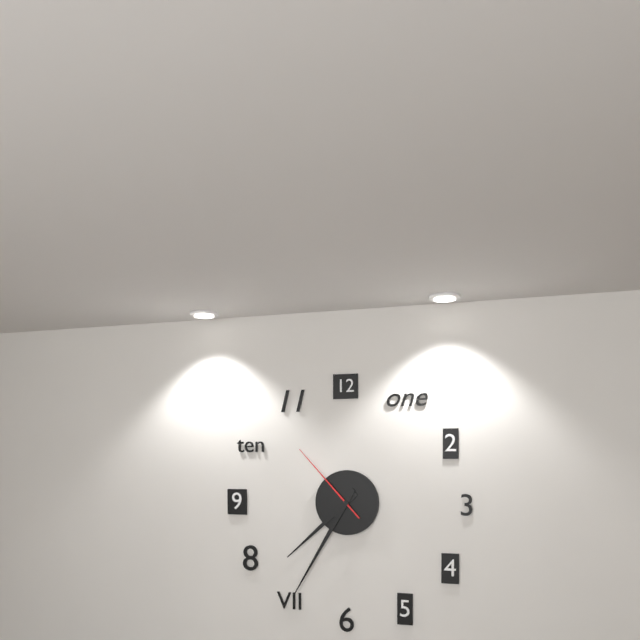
7:35:53
